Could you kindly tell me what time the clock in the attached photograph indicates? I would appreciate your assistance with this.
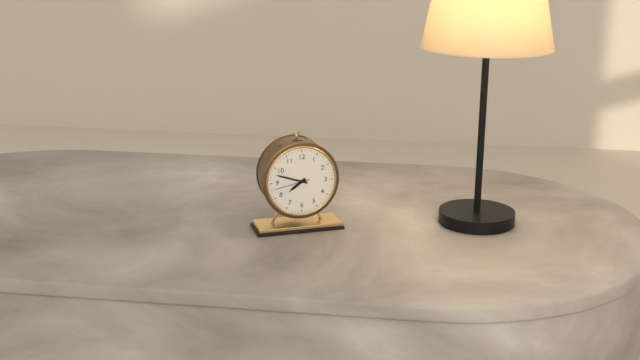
7:48
